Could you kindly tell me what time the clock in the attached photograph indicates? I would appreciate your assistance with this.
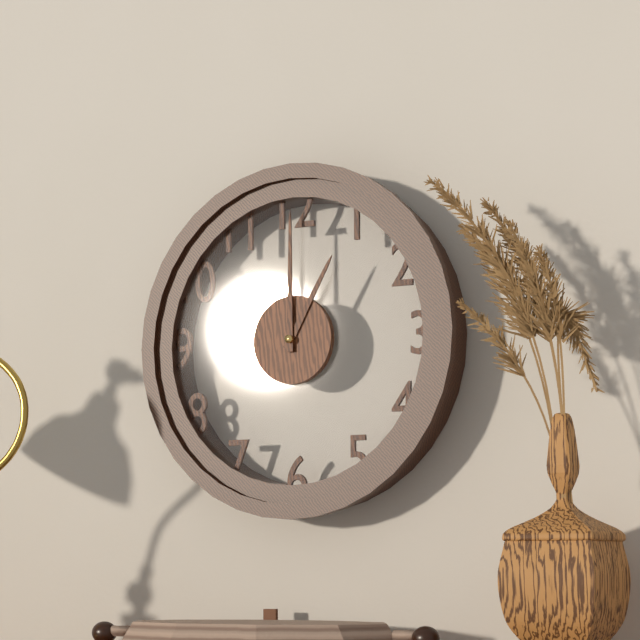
1:00
